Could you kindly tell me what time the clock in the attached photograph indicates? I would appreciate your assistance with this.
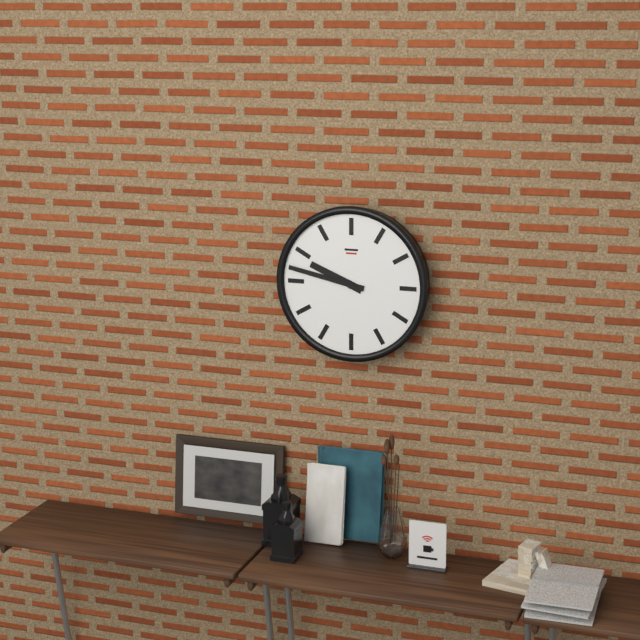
9:47
